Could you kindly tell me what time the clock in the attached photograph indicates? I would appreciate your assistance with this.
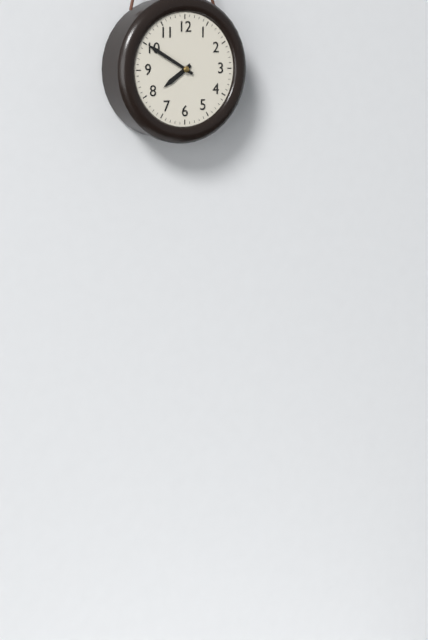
7:50
